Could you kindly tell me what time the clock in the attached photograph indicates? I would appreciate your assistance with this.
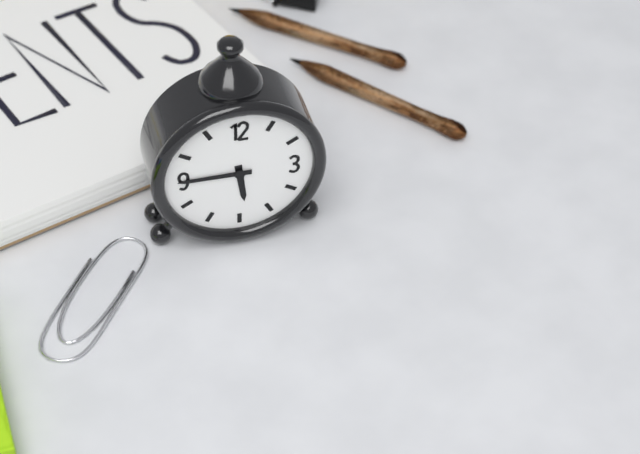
5:45
